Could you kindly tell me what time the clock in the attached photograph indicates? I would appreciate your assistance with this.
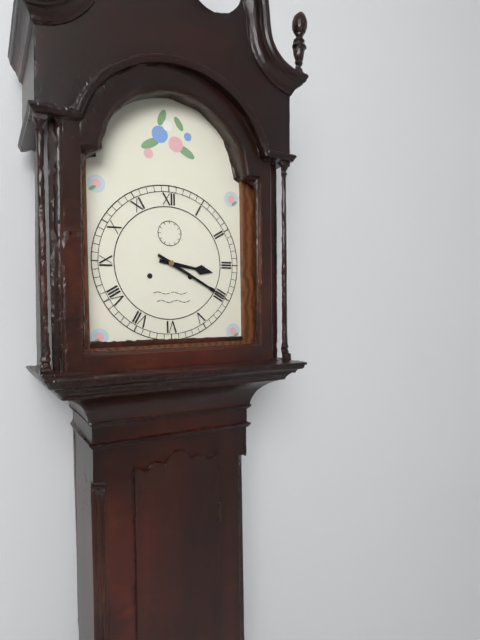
3:20
